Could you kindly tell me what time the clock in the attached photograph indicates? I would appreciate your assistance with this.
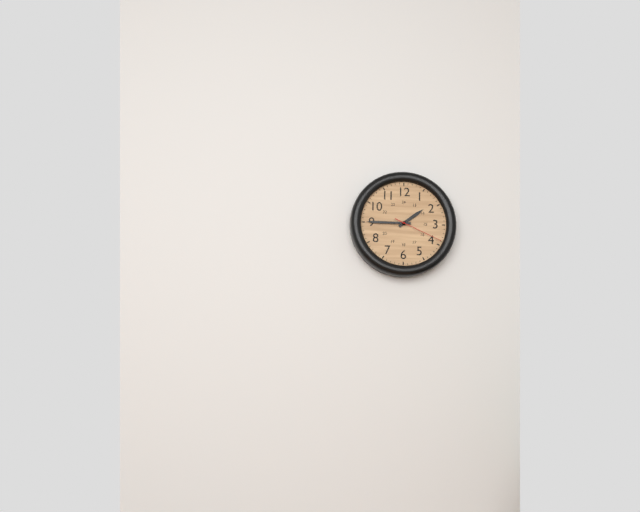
1:45:19
